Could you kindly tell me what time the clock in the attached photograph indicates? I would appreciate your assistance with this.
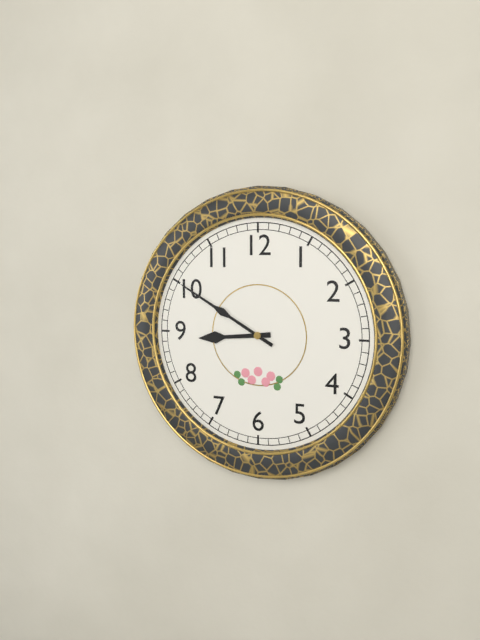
8:50
